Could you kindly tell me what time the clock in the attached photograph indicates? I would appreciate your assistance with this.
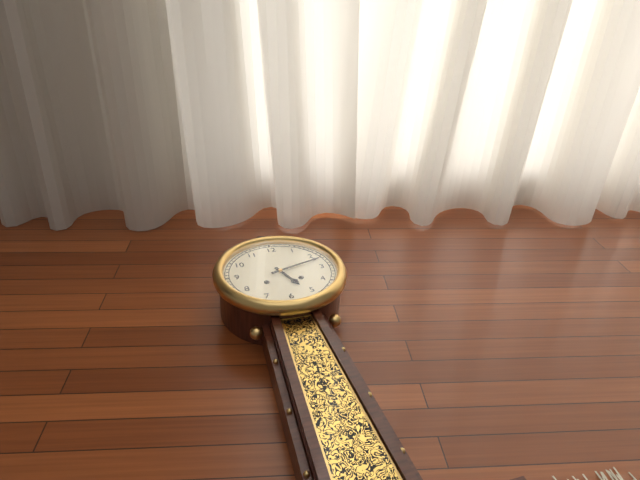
5:12
